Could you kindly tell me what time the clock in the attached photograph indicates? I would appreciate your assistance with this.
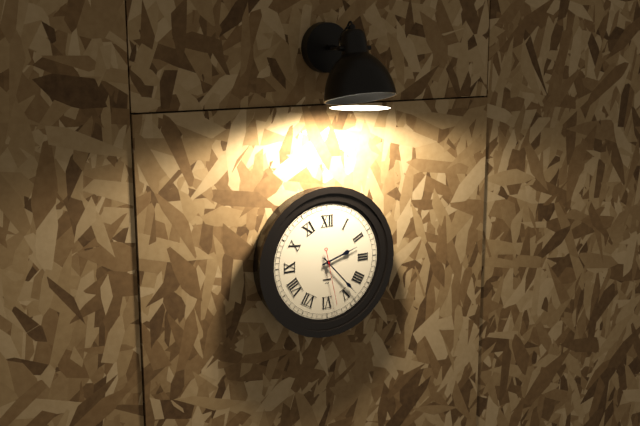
2:23:28
